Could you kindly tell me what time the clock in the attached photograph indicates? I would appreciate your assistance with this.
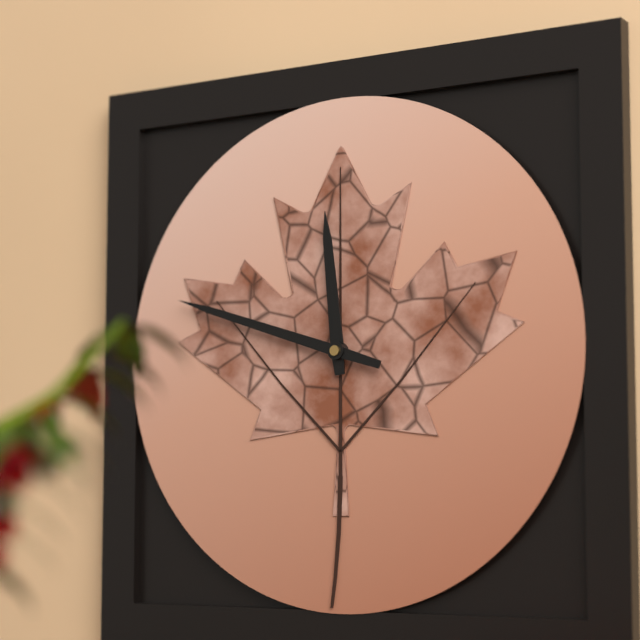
11:48
